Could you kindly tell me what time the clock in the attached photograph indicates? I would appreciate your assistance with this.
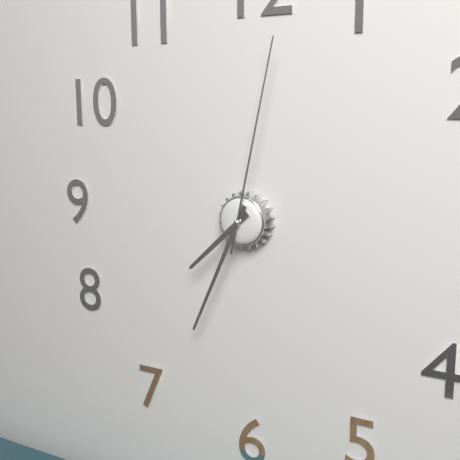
7:34:02
